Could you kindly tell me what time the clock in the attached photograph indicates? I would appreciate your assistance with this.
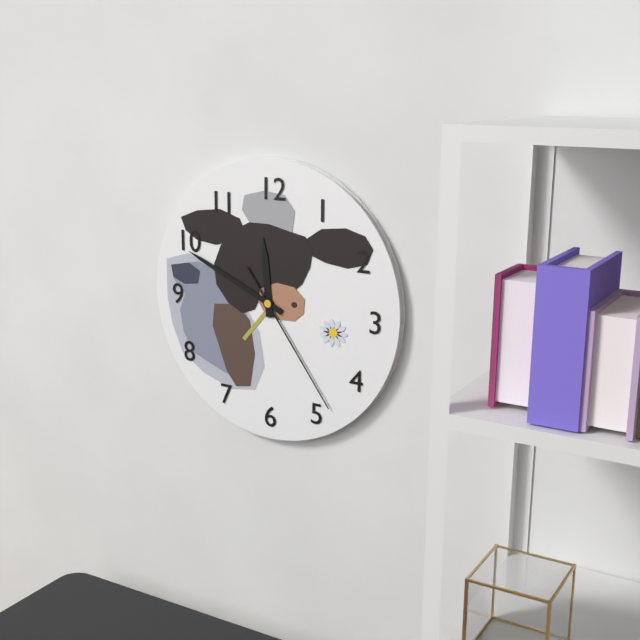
11:49:24
